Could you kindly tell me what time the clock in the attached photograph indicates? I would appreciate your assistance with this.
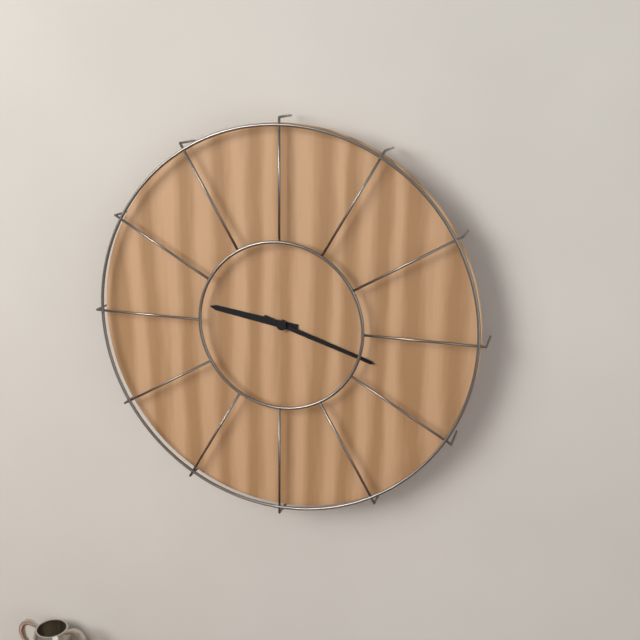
9:18
